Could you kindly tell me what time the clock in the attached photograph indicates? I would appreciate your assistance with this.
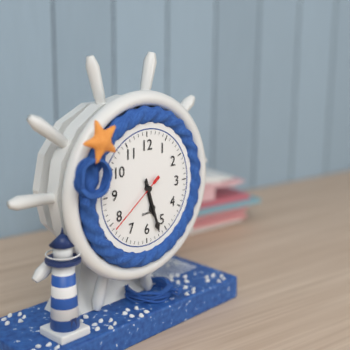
5:27:39
